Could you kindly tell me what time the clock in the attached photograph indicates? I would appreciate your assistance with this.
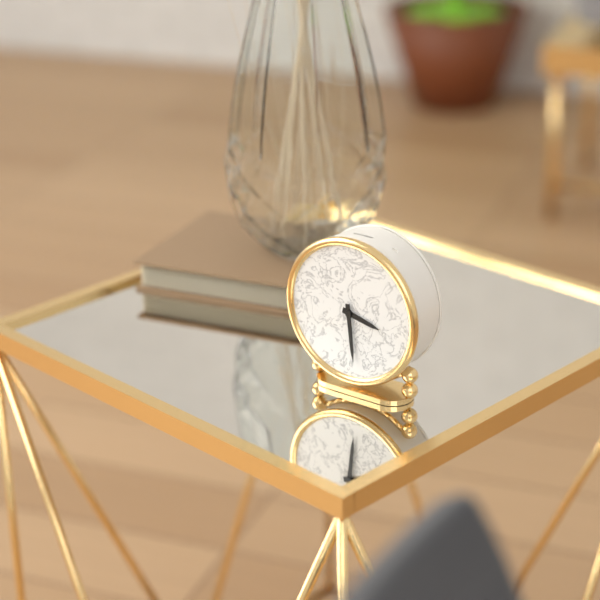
3:29
